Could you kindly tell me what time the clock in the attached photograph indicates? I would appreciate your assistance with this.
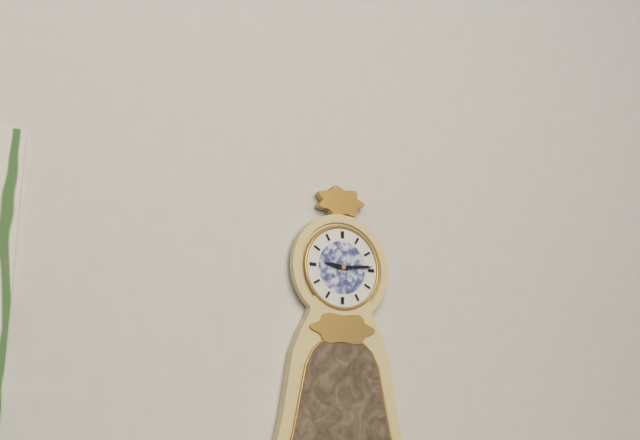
9:14
